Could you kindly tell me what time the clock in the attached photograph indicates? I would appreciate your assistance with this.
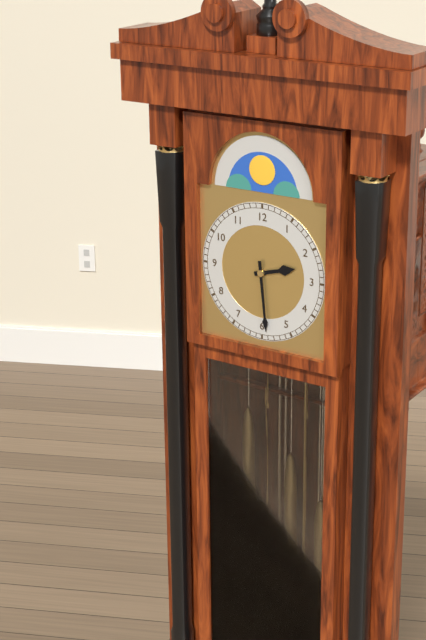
2:29
